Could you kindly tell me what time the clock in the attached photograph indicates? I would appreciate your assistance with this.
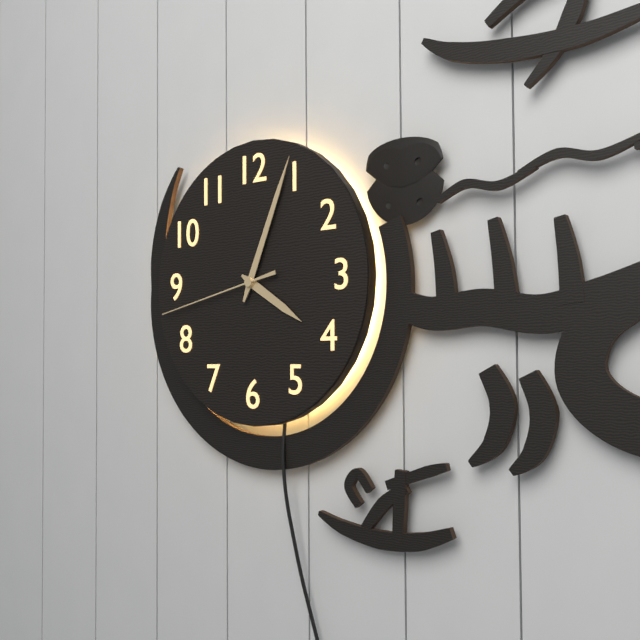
4:04:43
